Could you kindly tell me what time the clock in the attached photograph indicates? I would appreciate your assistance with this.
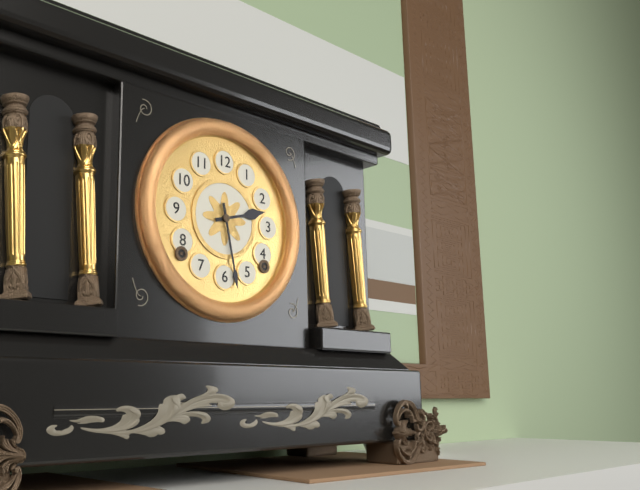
2:28
